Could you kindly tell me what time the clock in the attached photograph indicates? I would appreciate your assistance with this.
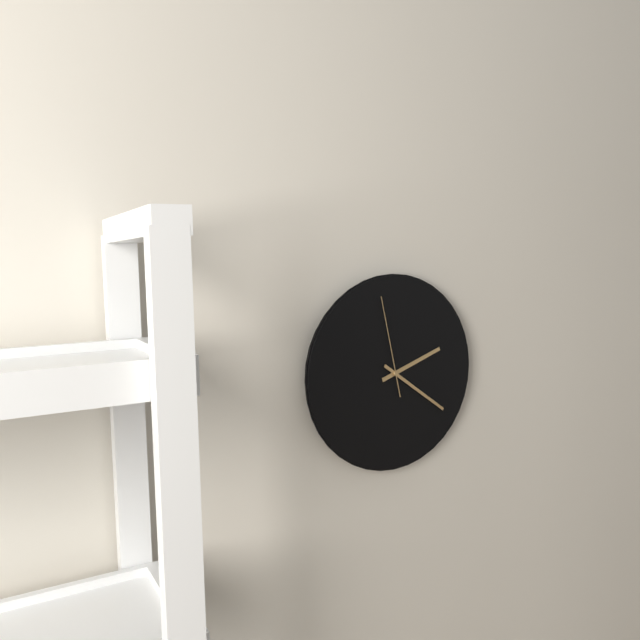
2:21:58
